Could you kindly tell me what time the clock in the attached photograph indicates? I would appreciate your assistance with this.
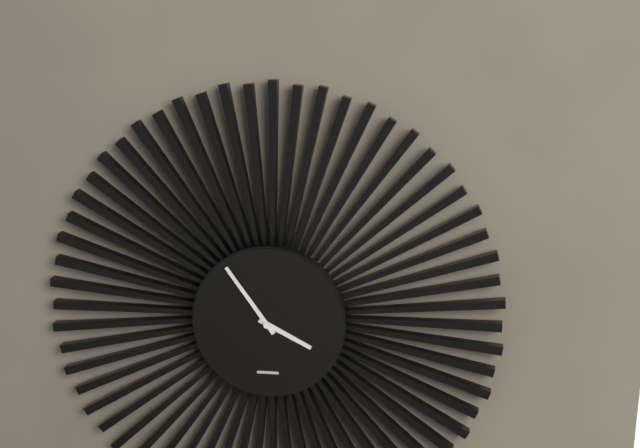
3:54
